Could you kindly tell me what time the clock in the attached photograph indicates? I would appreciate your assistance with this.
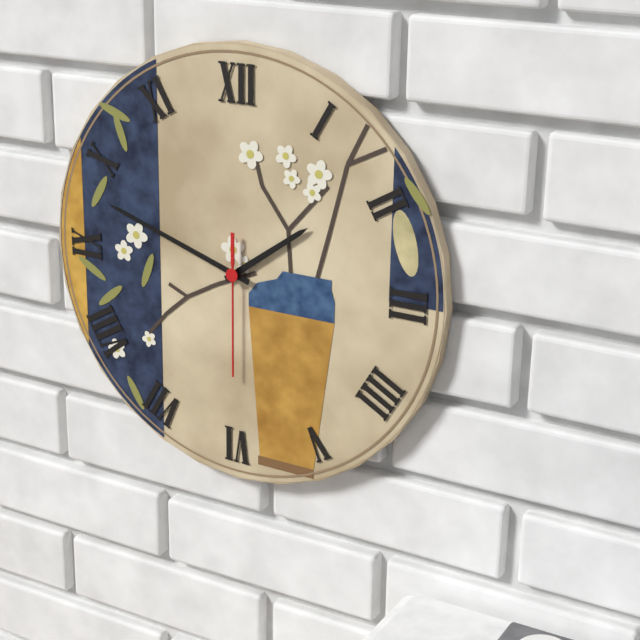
1:48:30
